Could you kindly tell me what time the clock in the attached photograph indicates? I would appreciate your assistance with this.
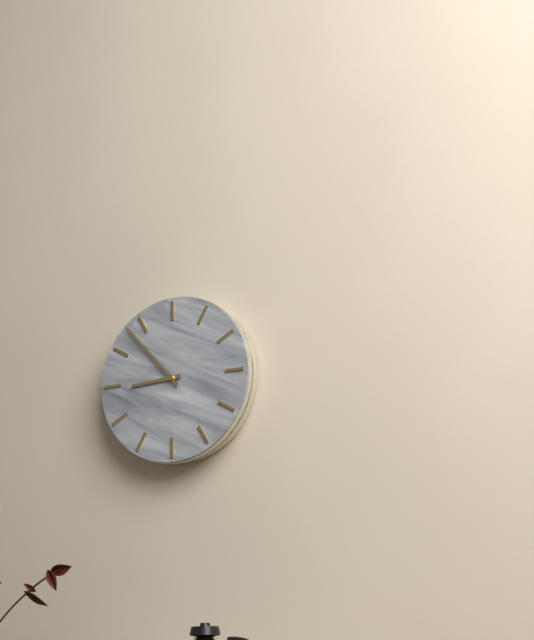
8:53
